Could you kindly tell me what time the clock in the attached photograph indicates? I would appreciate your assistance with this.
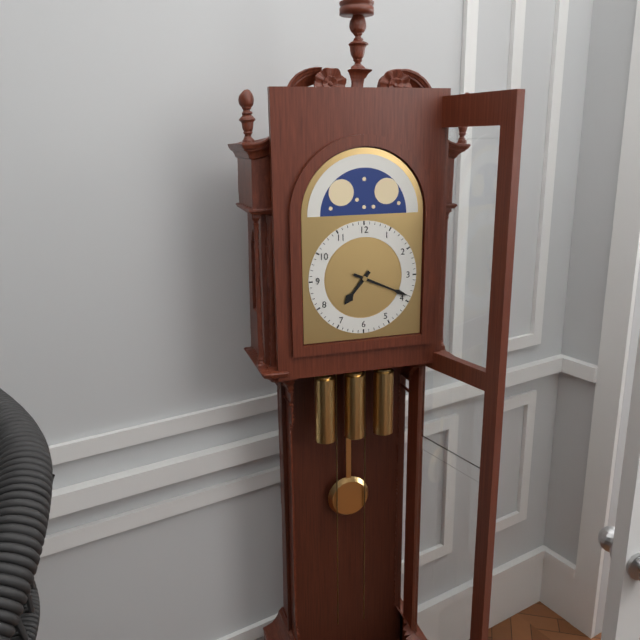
7:19
